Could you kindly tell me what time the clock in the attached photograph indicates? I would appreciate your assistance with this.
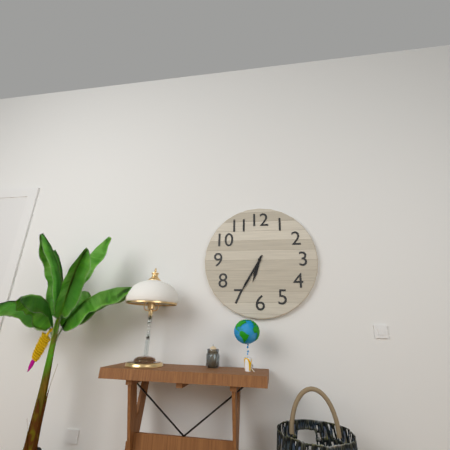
6:35
